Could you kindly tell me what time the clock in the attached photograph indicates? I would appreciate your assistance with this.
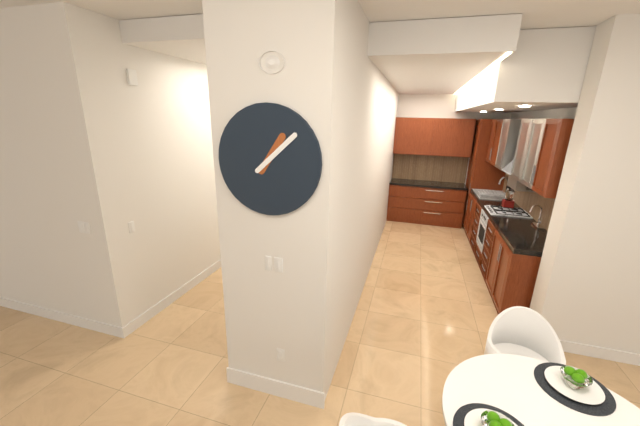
1:08
